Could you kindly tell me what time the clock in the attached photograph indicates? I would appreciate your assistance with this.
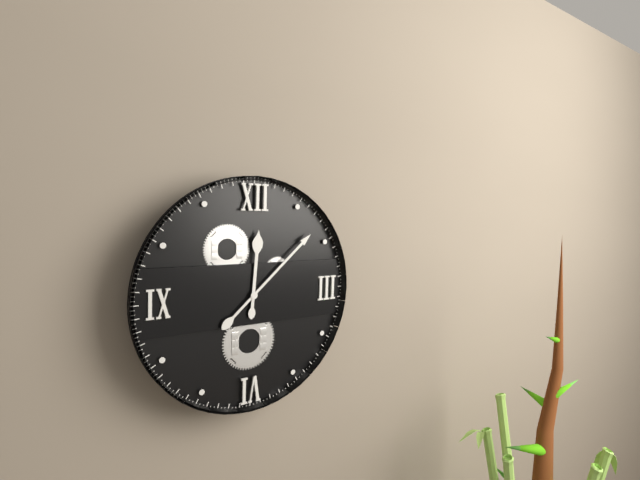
12:08
